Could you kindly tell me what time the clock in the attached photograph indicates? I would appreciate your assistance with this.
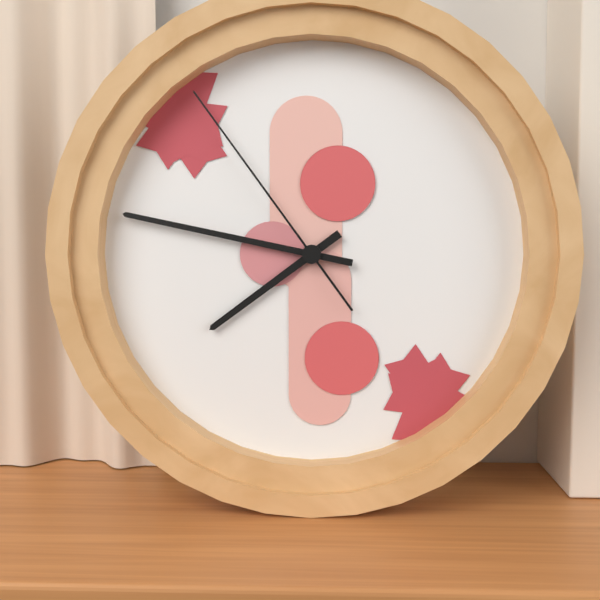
7:47:54
